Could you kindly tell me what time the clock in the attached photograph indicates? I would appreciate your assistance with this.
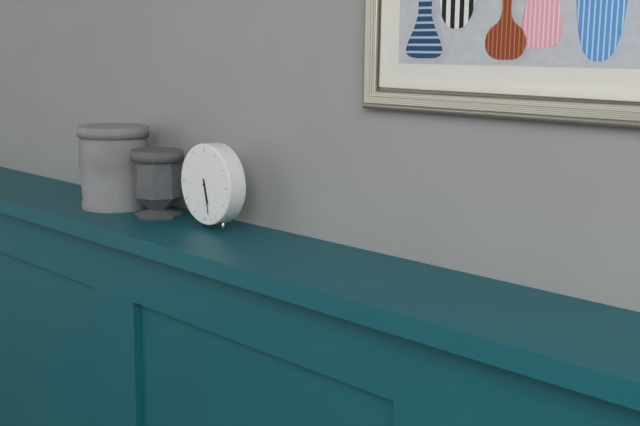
5:28
